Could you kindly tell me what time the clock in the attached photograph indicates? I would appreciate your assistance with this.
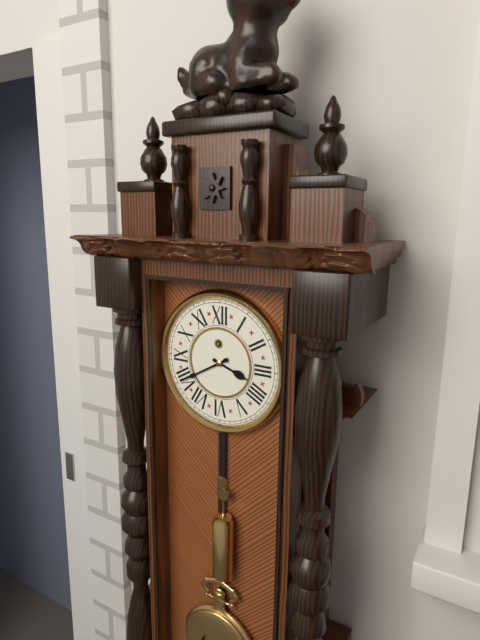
3:40
